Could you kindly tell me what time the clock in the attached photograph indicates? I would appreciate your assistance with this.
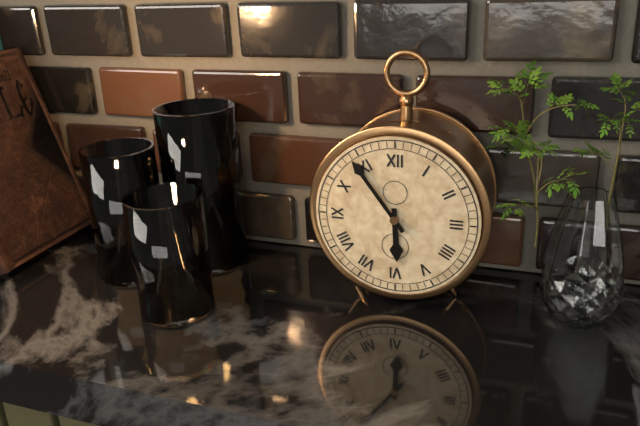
5:54
